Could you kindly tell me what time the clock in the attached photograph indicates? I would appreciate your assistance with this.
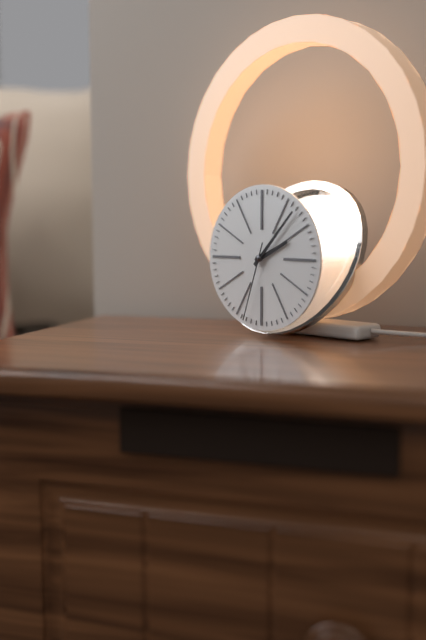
2:07:33
